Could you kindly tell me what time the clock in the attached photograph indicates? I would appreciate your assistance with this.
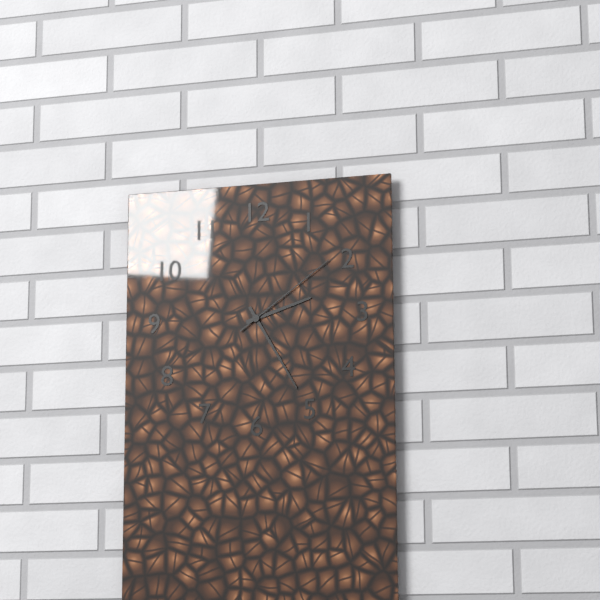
2:25:09
